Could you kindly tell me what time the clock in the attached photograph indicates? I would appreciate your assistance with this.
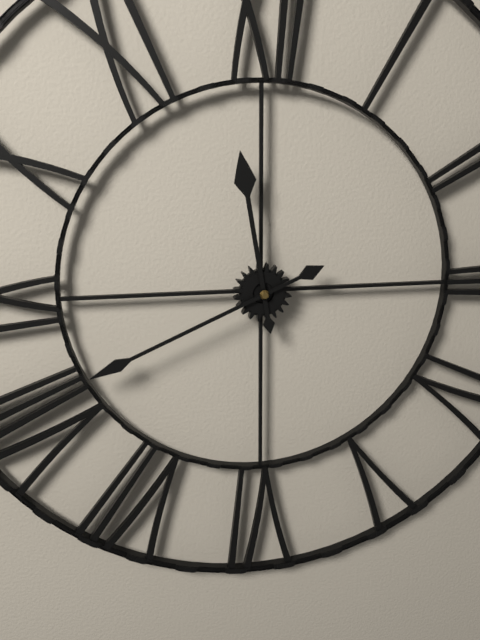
11:41
